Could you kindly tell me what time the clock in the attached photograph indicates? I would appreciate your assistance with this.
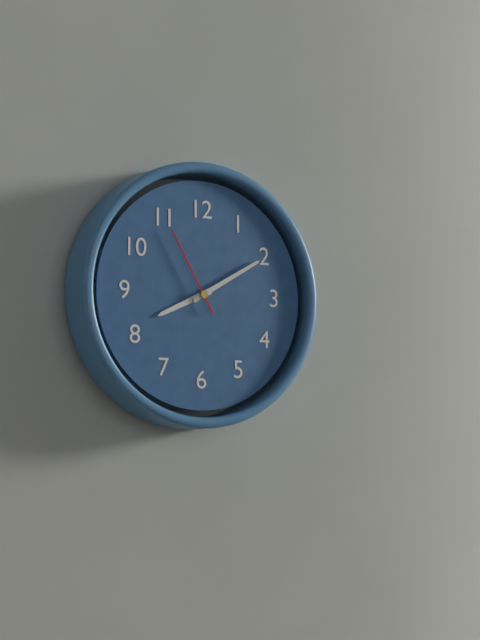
8:10:55
